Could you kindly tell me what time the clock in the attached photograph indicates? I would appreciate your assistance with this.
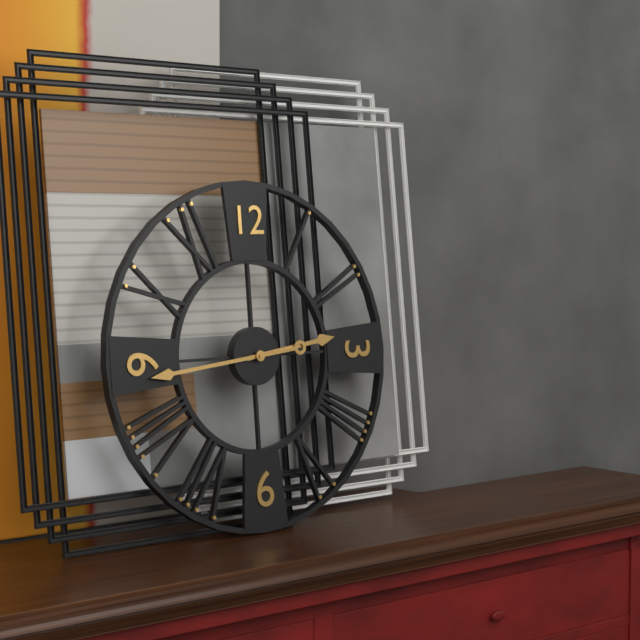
2:44
